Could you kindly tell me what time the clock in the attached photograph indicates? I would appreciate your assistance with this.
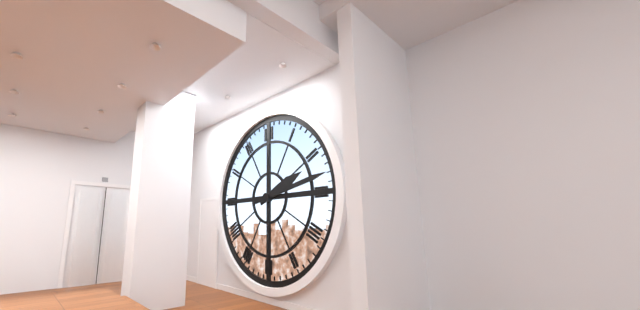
2:13
